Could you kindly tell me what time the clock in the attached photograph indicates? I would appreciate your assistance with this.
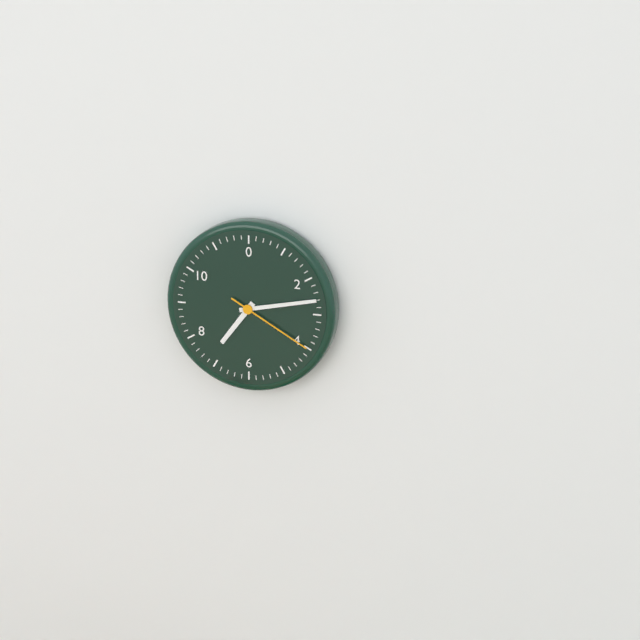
7:13:20
